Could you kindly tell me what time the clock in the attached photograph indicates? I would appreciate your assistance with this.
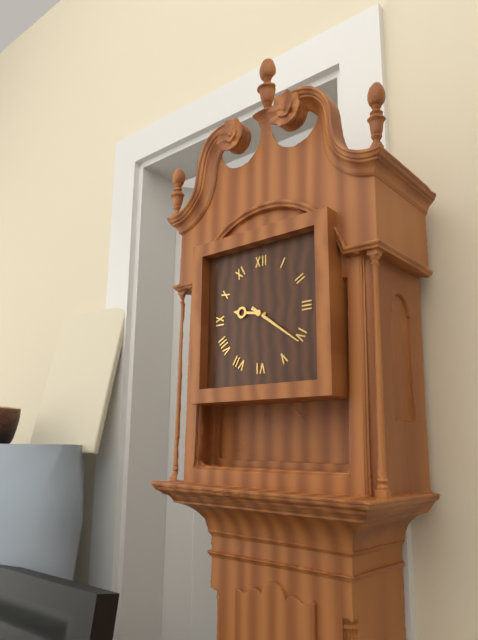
9:21
